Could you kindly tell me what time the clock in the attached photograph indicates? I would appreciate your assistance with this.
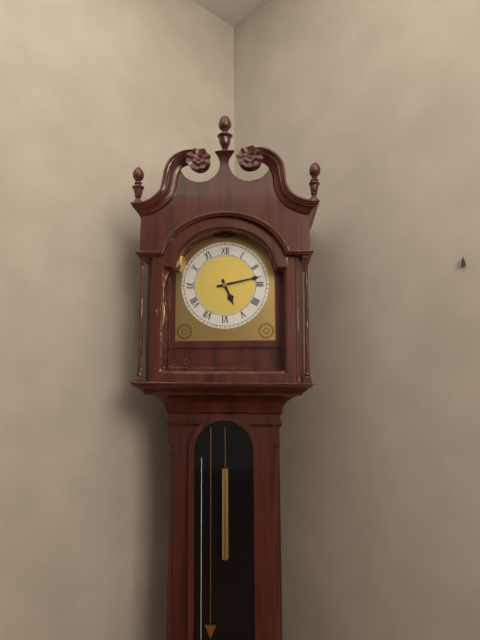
5:13
